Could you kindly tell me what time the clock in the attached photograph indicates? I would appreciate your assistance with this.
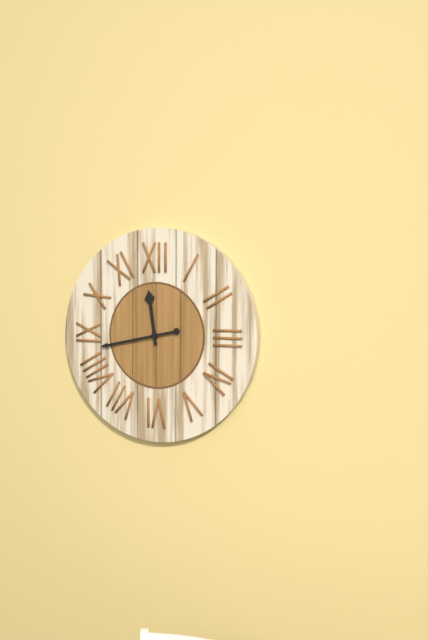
11:43
